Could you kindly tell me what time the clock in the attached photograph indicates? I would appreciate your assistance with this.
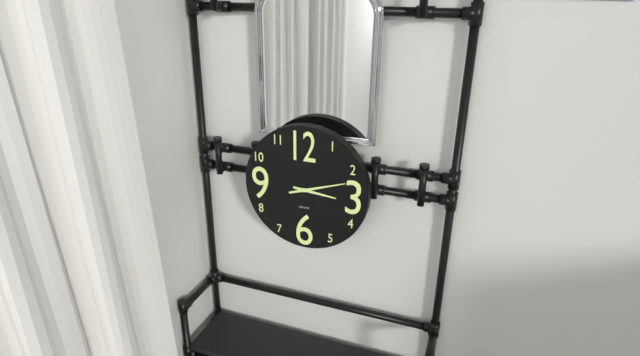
3:12
